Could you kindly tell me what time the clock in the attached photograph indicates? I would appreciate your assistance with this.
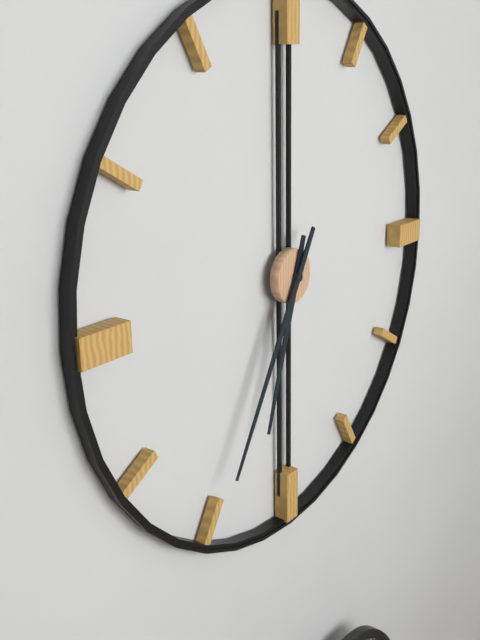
6:35
